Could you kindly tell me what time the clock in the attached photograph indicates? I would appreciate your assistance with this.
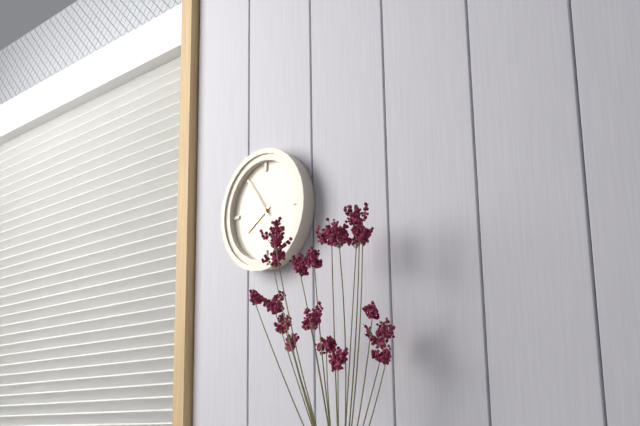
7:54
